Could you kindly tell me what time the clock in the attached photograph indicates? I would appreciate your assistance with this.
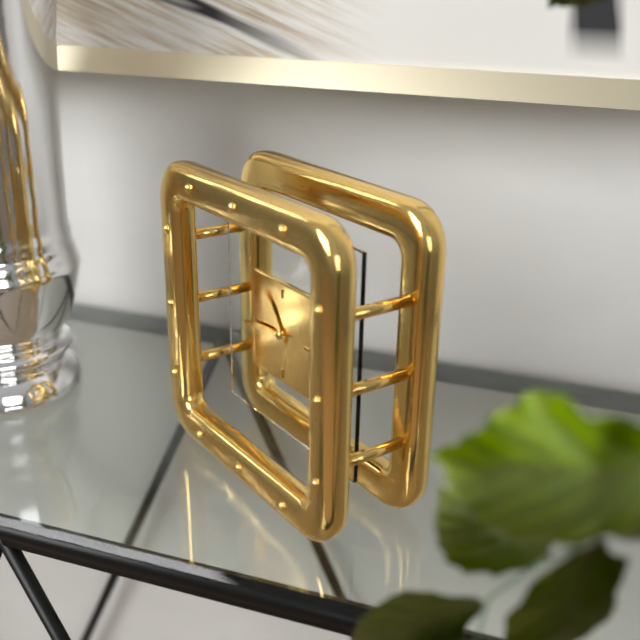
10:44
